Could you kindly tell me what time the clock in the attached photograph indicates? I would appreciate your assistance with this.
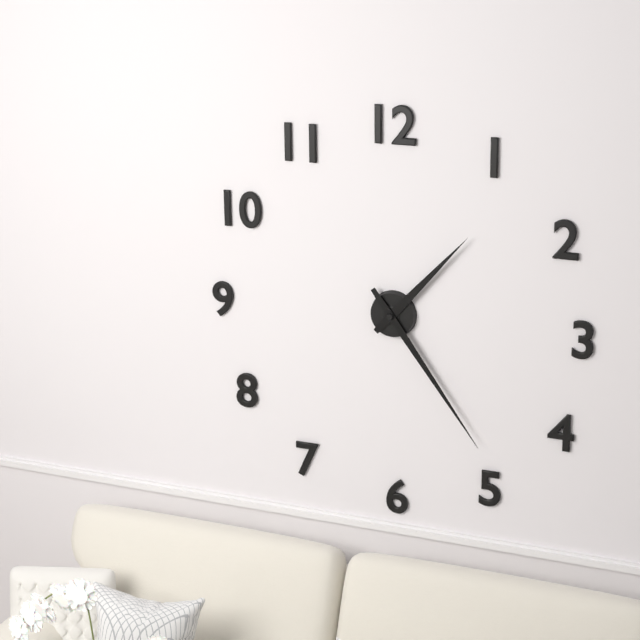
1:24
